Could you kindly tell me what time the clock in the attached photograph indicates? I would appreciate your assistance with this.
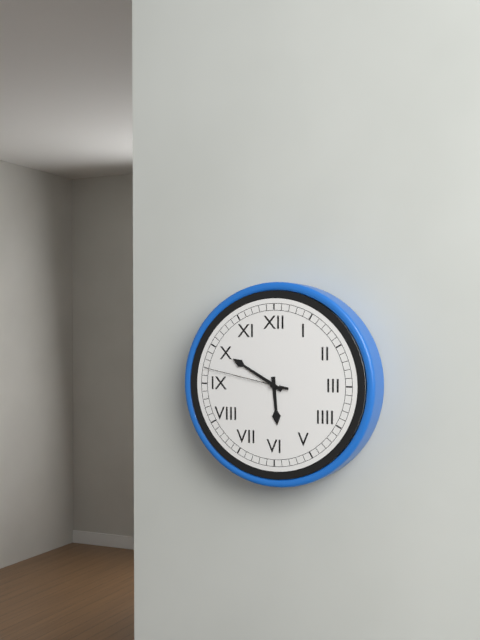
5:50:47
